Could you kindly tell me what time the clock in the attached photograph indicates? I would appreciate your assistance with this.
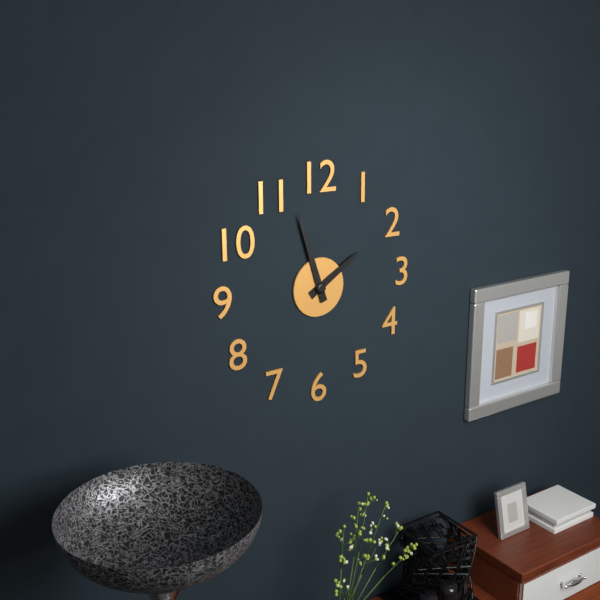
1:57
